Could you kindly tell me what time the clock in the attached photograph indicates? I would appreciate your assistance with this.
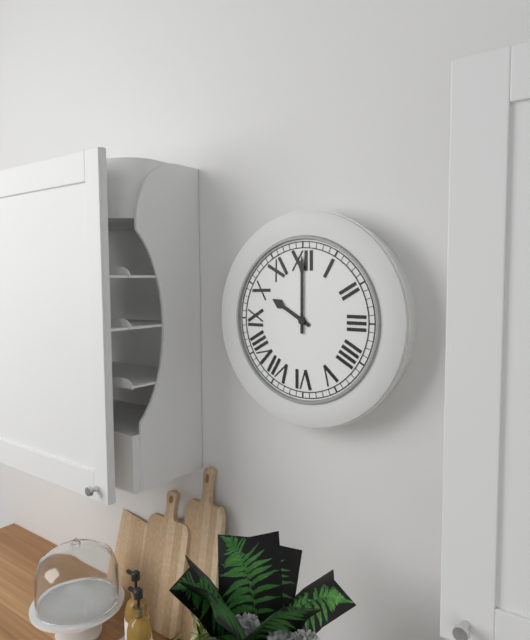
10:00
